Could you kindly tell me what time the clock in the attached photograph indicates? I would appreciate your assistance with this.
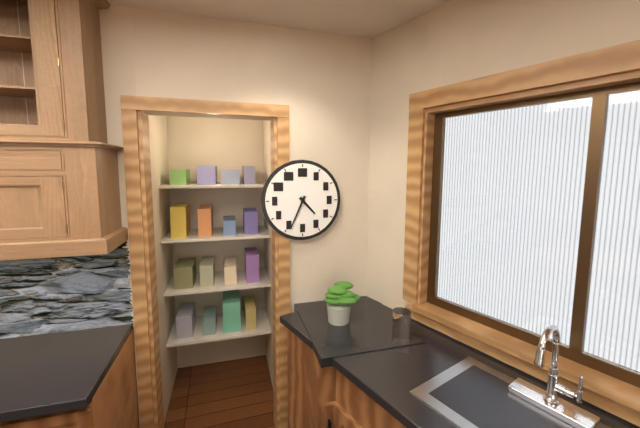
4:34
